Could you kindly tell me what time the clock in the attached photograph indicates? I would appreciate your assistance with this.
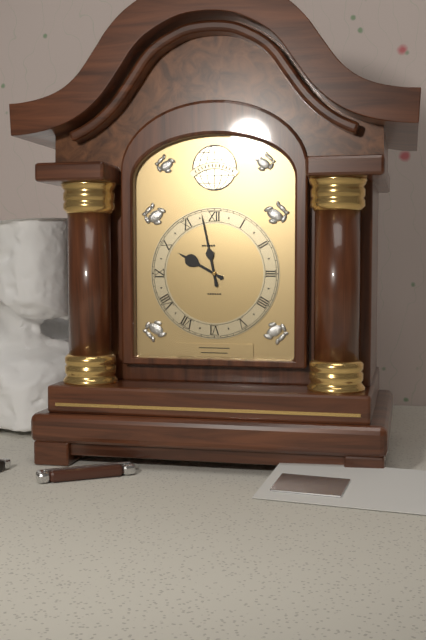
9:58
